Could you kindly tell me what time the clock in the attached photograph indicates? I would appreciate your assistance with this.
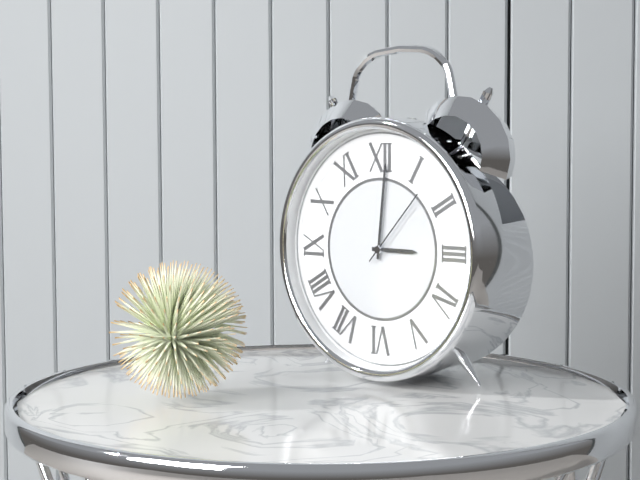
3:01:07
